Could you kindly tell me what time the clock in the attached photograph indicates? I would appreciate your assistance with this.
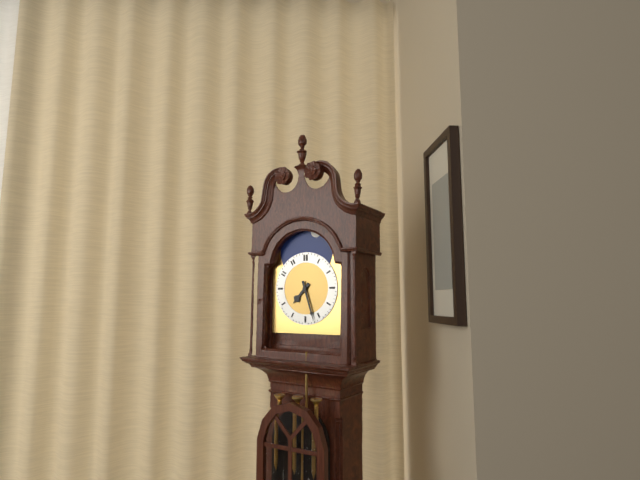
7:27
